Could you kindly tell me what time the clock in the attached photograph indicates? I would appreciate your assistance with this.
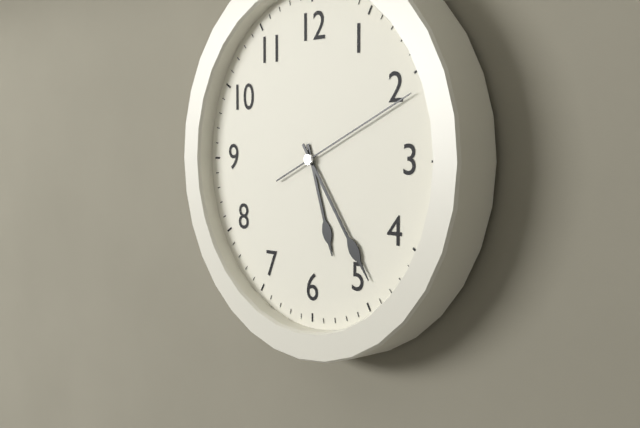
5:24:11
